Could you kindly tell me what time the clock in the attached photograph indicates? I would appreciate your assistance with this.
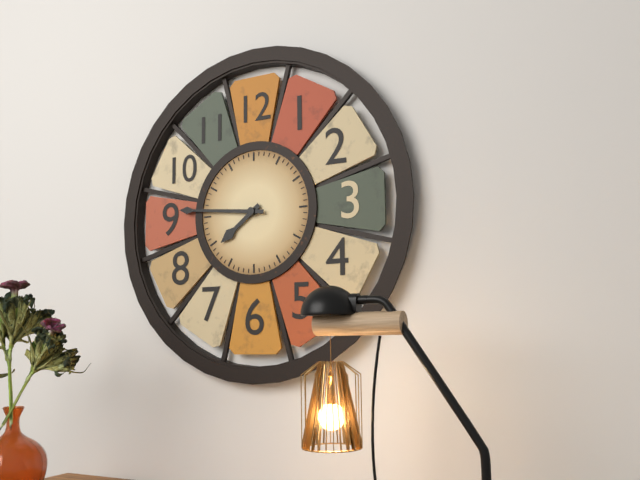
7:46
